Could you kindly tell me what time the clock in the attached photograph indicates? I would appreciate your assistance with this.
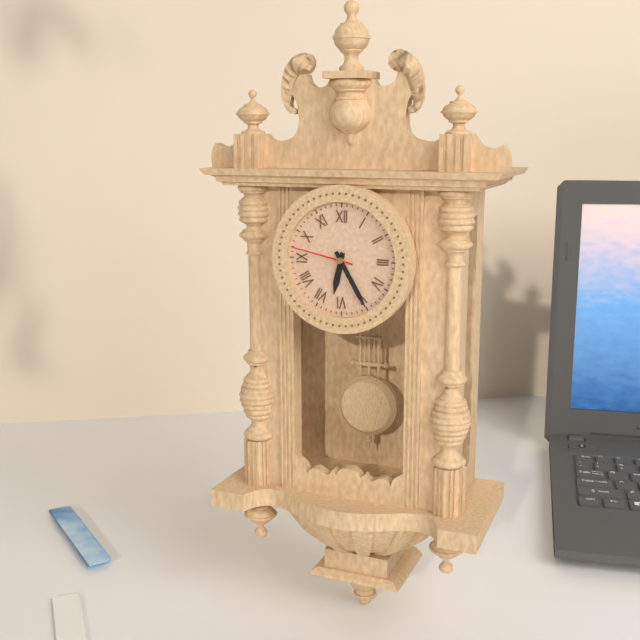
6:25:47
